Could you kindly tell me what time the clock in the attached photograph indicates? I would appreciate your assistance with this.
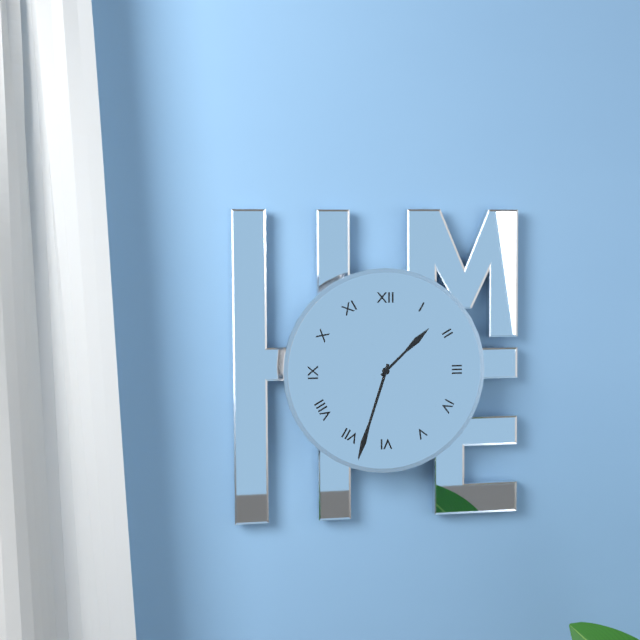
1:33
